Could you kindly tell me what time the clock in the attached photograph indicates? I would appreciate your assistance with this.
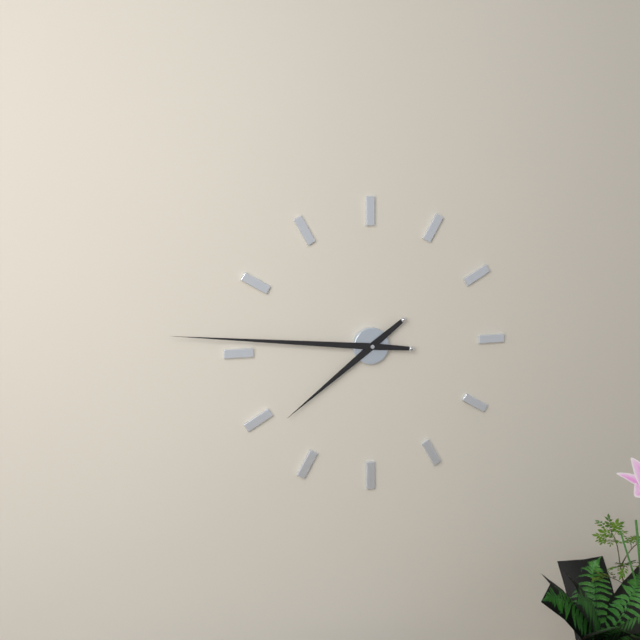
7:46
